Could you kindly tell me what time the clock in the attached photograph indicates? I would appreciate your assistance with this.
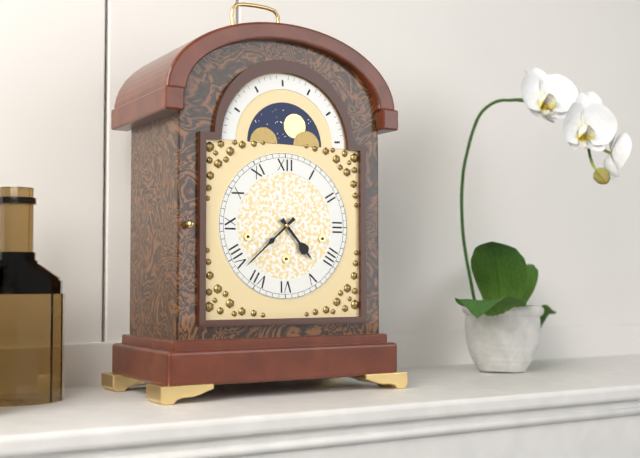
4:38
